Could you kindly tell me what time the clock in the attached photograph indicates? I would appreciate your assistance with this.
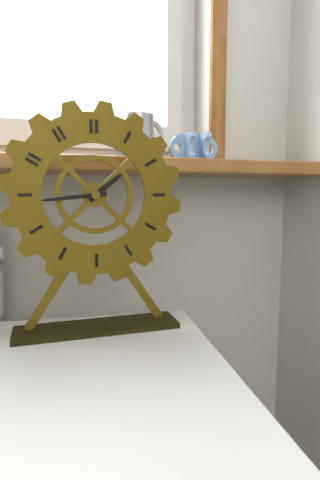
1:44
